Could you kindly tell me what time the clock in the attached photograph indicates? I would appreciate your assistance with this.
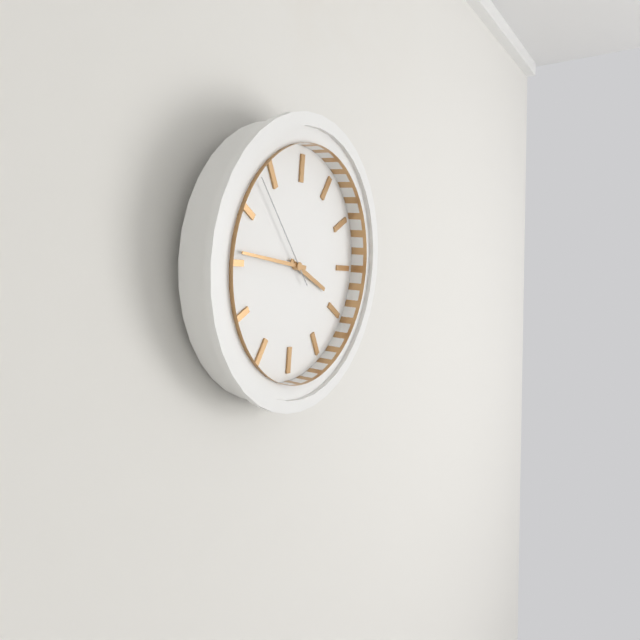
3:46:53
